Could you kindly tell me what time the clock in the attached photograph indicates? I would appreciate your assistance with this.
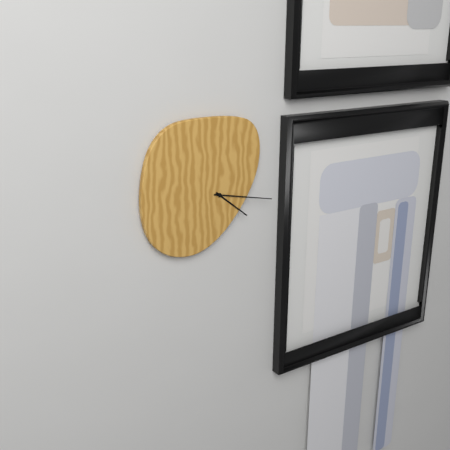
4:17
